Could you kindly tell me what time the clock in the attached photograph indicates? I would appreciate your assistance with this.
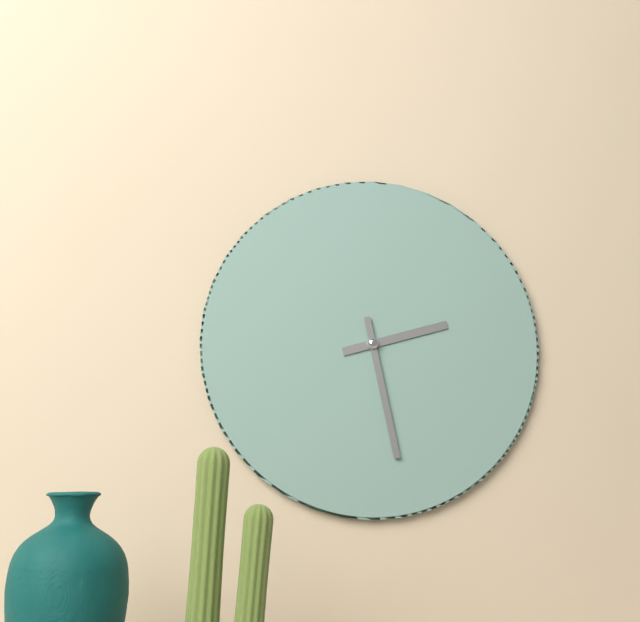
2:28
